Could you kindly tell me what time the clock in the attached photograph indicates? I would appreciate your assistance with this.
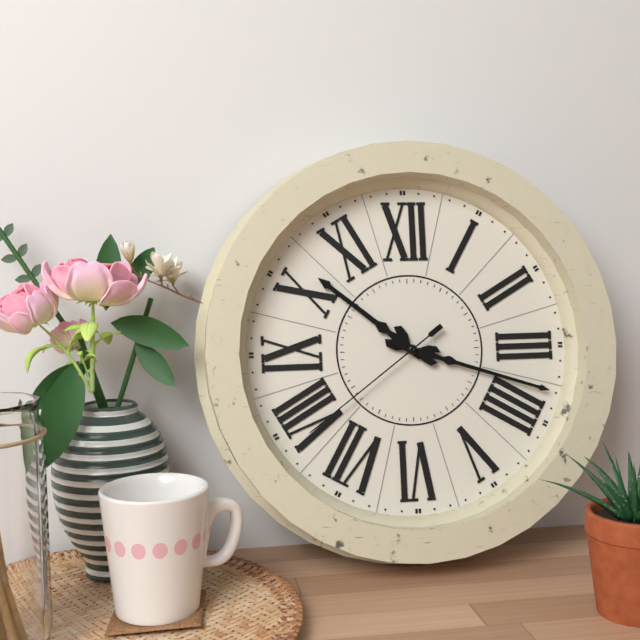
10:18:39
